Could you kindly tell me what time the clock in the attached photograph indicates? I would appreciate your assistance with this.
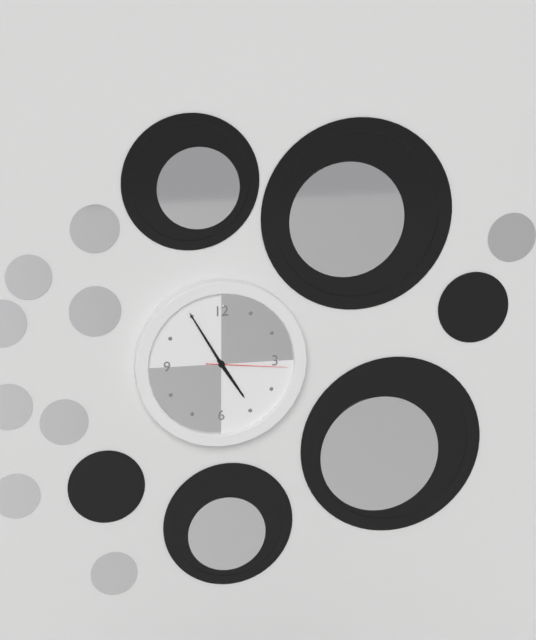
4:55:16
